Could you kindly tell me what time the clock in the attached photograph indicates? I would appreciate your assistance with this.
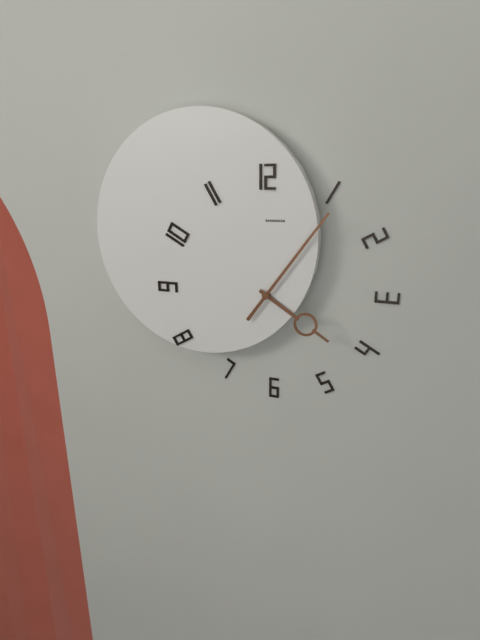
4:06
